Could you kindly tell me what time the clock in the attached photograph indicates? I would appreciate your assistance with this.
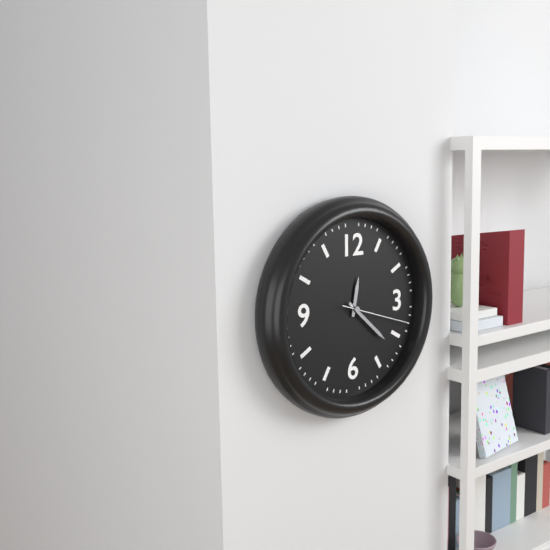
12:22:18
